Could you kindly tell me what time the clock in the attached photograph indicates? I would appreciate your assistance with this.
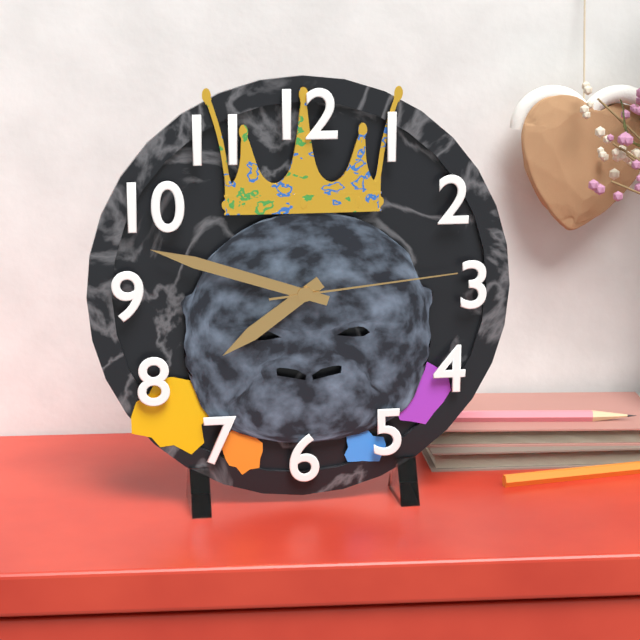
7:48:14
